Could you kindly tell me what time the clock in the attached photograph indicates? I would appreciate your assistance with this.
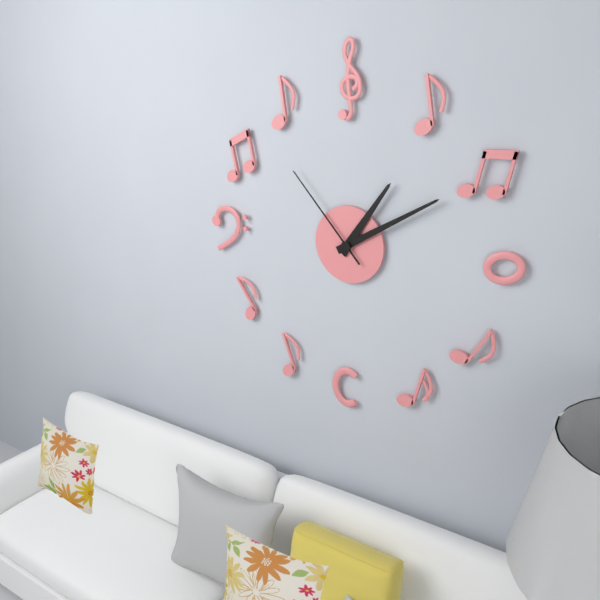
1:10:53
